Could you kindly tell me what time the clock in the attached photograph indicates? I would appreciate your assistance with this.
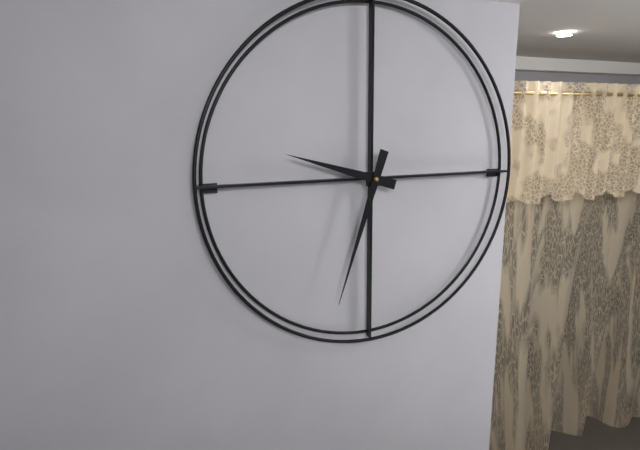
9:33
